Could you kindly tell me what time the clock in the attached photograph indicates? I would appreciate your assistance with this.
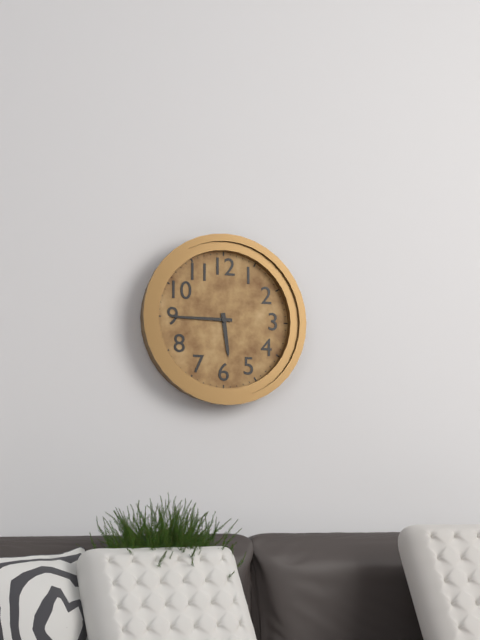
5:45
